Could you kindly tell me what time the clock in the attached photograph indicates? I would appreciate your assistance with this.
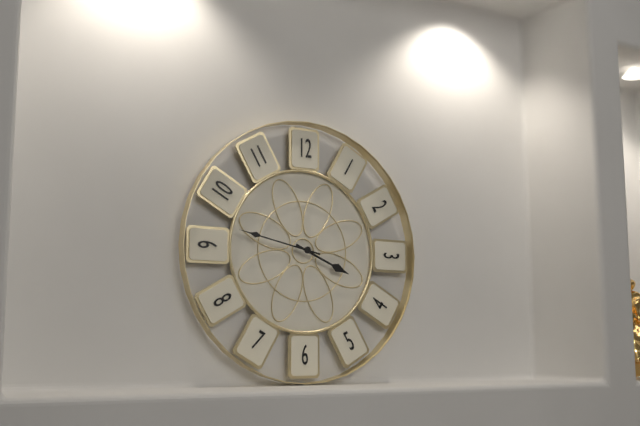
3:47
